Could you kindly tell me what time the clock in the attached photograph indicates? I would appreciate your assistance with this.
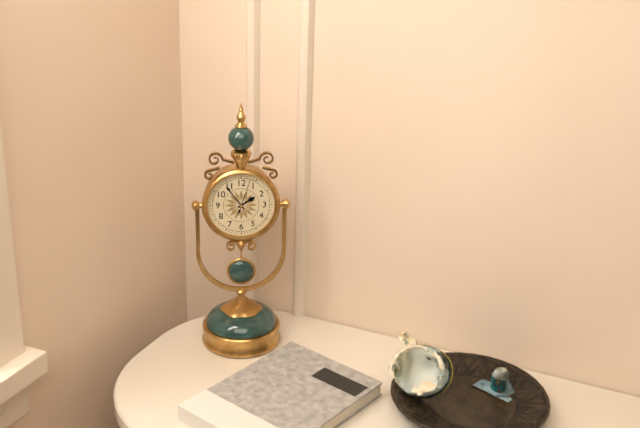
1:54
